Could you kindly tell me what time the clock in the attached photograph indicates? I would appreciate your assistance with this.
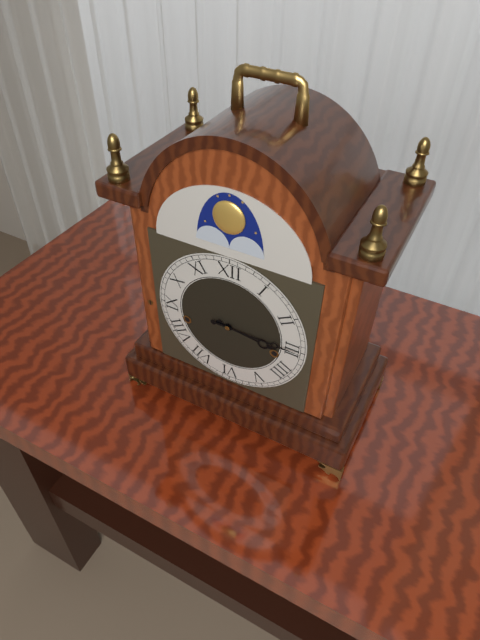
3:15
